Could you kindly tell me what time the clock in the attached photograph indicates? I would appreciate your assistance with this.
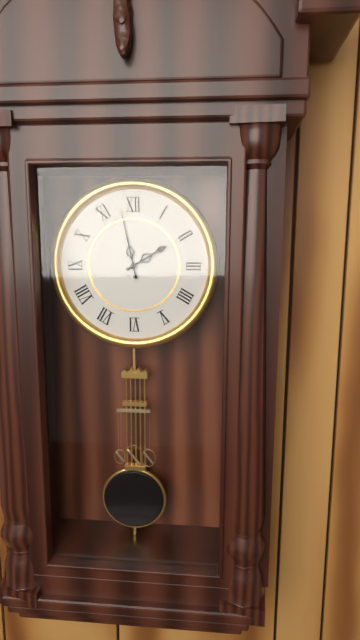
1:58
